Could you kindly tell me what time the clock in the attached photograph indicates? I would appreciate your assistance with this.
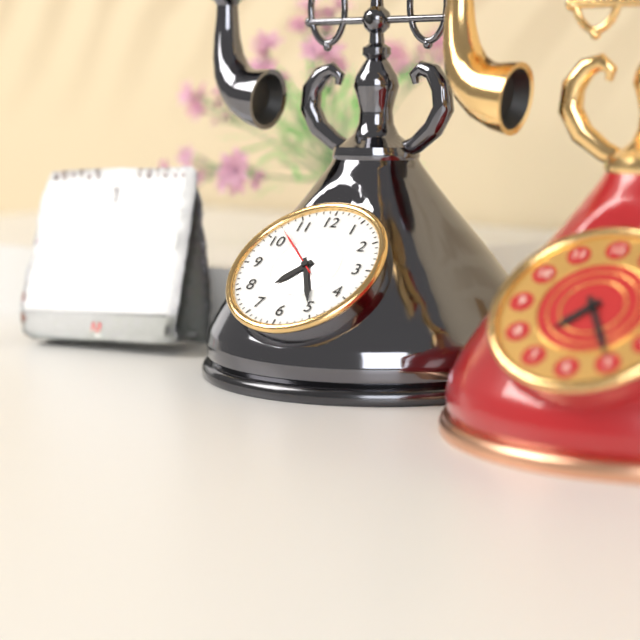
7:25:52
